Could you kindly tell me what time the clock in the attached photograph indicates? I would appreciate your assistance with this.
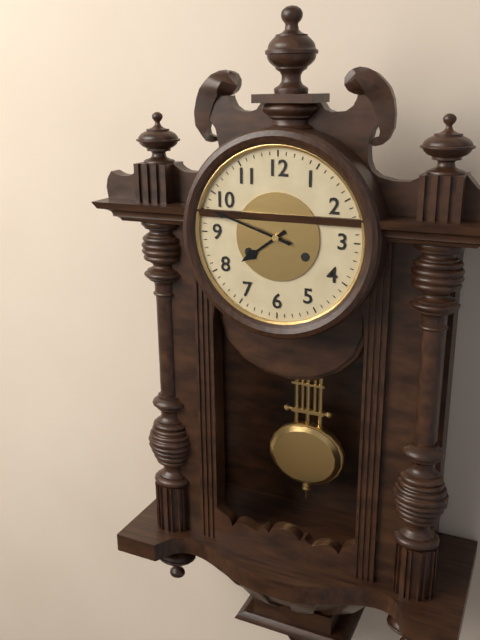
7:48
